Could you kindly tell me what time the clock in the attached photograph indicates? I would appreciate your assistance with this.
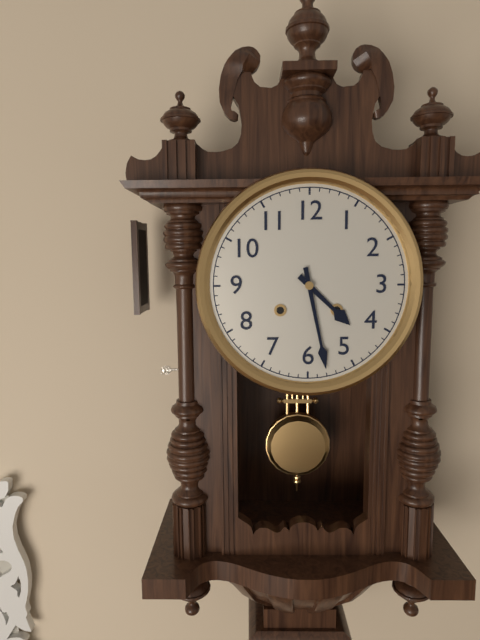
4:28
